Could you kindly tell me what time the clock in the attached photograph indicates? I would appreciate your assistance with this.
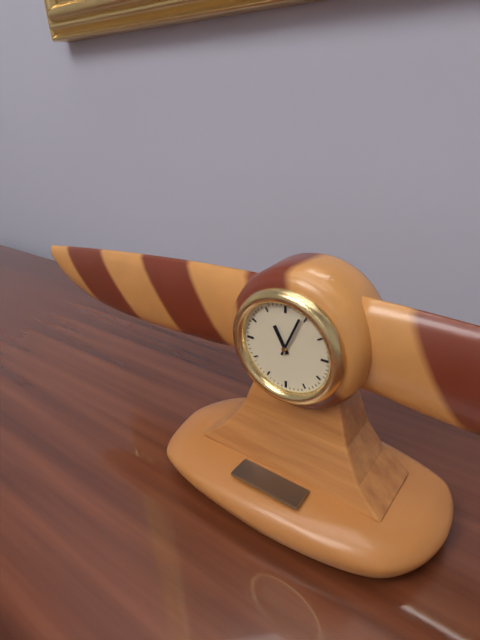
11:04
